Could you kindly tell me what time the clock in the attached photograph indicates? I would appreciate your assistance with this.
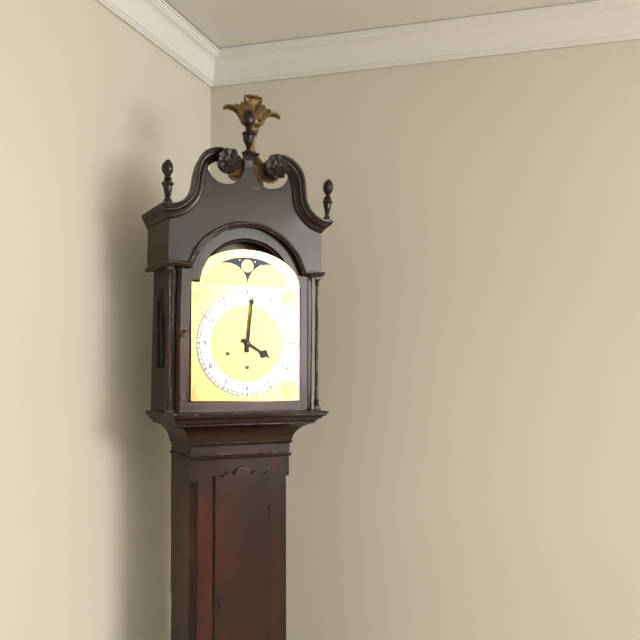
4:01
